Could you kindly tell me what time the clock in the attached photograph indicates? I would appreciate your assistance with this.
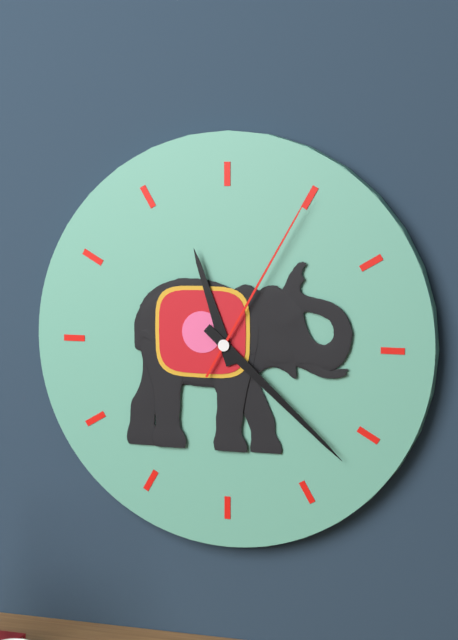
11:22:05
